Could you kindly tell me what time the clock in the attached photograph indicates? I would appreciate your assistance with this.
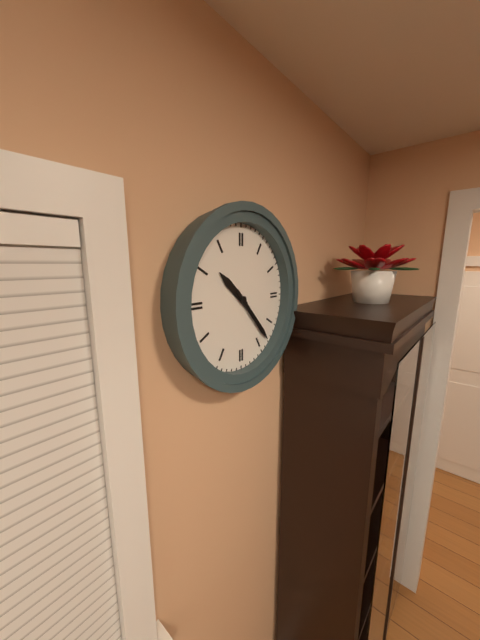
10:23
